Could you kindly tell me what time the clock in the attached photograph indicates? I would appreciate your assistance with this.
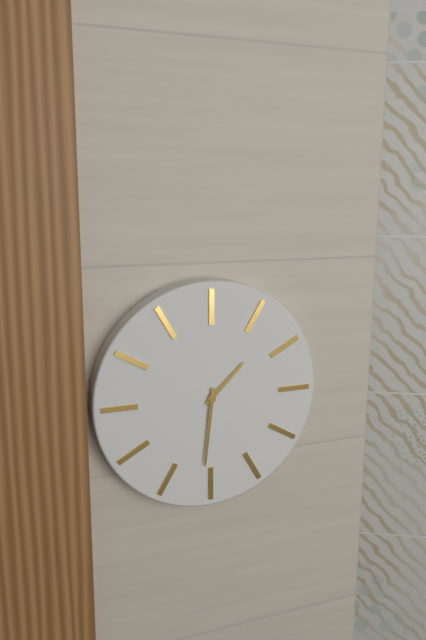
1:31
